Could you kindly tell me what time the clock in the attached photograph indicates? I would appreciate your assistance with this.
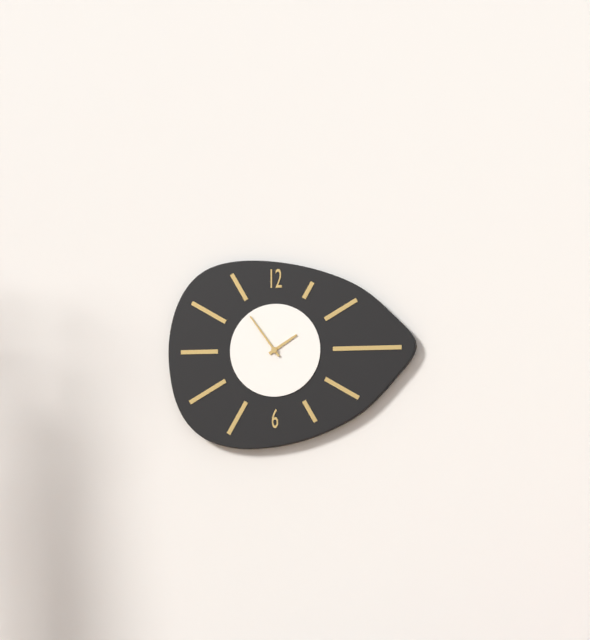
1:54
